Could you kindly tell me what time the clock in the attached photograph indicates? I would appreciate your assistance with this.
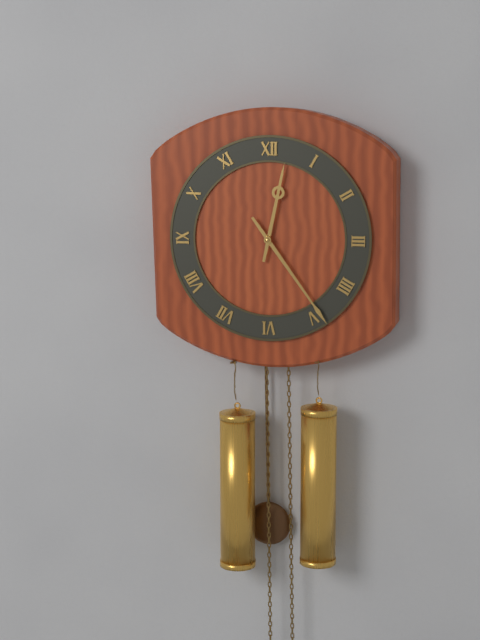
12:24
